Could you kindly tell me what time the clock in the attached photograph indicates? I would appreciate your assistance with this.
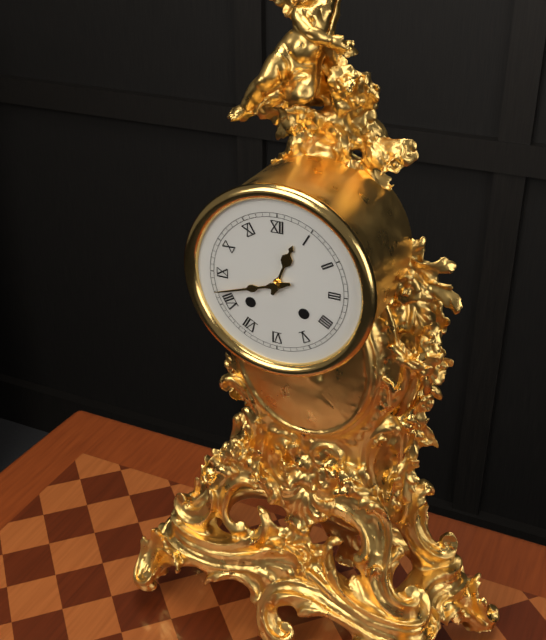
12:42
